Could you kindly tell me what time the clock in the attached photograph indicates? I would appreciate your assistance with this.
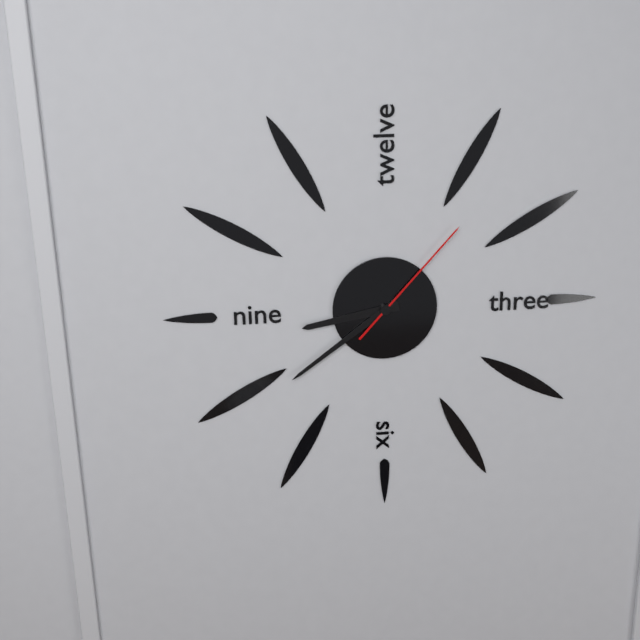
8:39:07
